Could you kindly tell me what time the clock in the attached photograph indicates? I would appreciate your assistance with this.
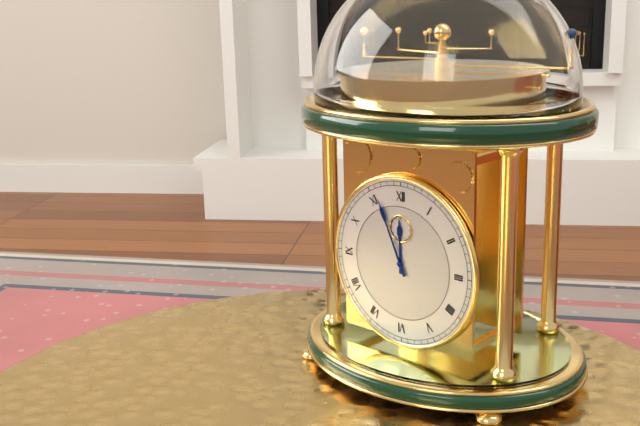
11:56
